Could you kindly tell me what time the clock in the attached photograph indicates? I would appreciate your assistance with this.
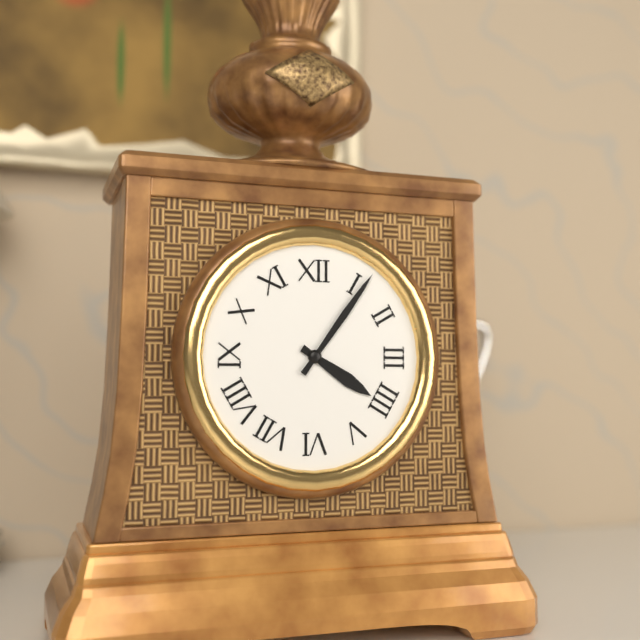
4:06
